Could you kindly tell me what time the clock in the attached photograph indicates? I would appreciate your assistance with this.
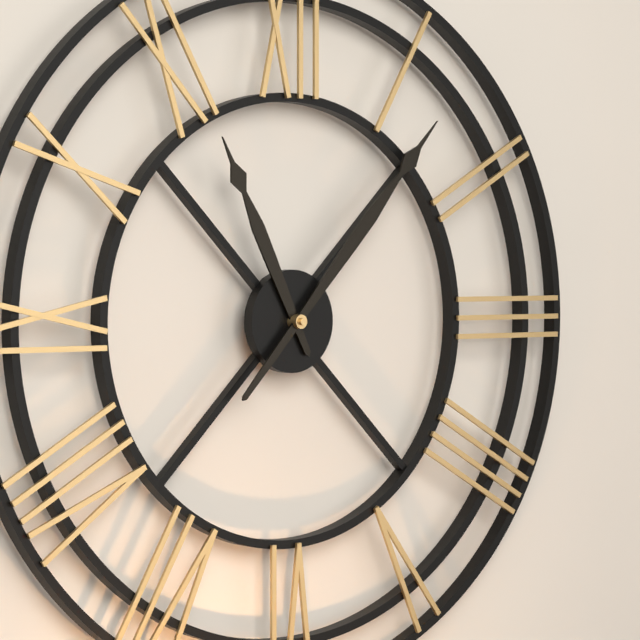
11:07
